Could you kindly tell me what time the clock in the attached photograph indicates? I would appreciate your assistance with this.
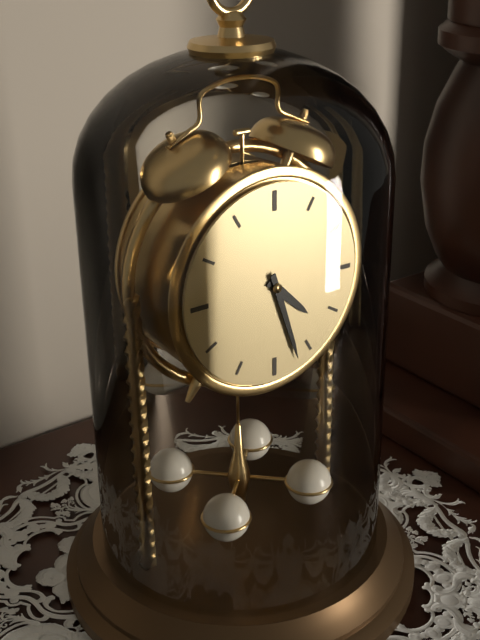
4:27
